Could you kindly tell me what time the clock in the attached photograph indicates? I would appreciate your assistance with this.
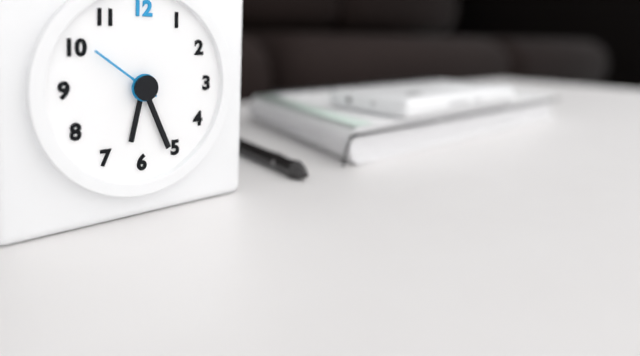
6:26:51
